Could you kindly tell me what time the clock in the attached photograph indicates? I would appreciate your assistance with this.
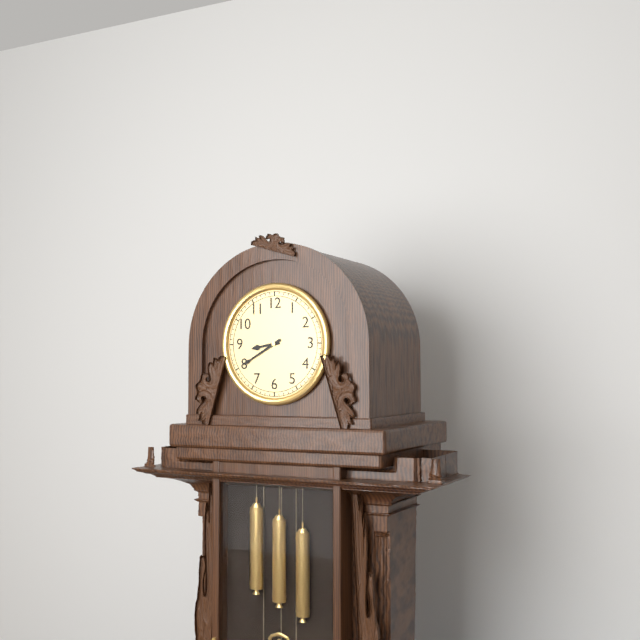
8:40
